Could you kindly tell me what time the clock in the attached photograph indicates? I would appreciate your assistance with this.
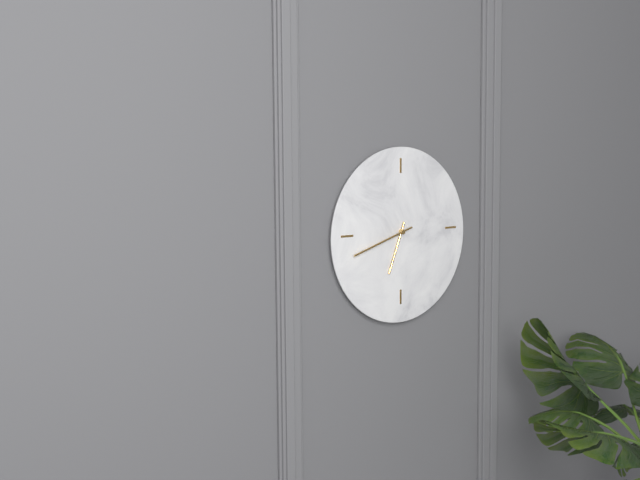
6:42
